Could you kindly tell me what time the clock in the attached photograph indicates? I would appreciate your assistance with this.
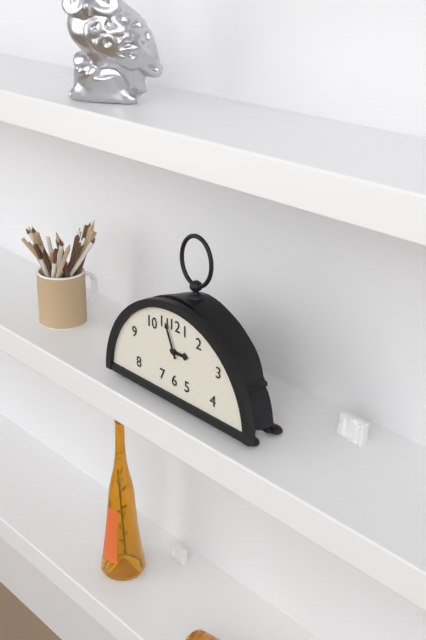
2:56
